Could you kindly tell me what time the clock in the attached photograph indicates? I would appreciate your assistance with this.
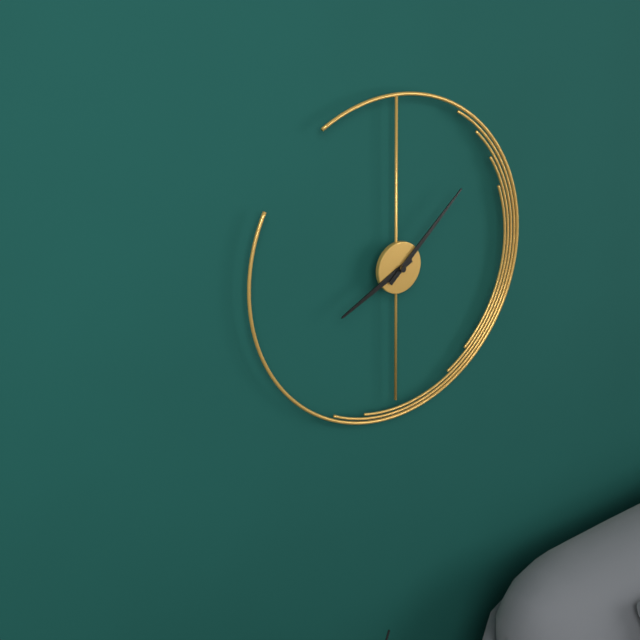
8:08
